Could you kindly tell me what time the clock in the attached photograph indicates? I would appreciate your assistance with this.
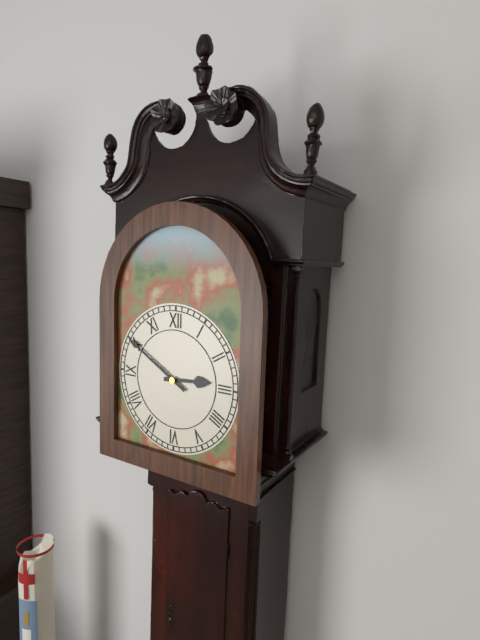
2:50
